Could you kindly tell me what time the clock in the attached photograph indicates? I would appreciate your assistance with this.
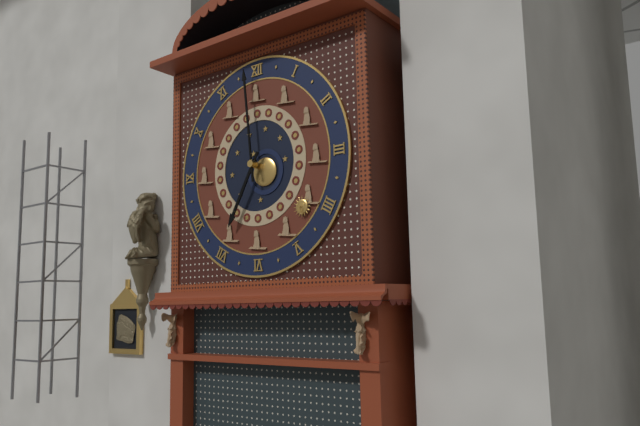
6:59
